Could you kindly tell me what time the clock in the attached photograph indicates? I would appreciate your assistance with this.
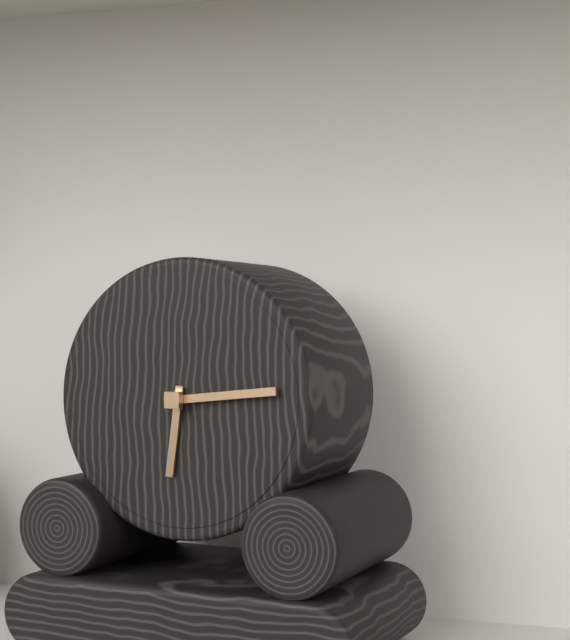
6:14
